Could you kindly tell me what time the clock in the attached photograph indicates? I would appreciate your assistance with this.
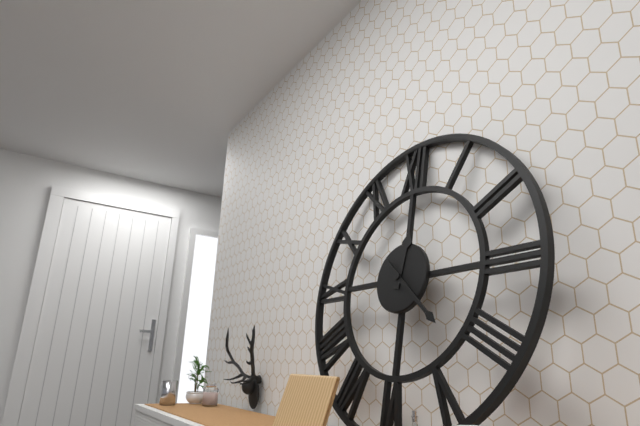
12:22
